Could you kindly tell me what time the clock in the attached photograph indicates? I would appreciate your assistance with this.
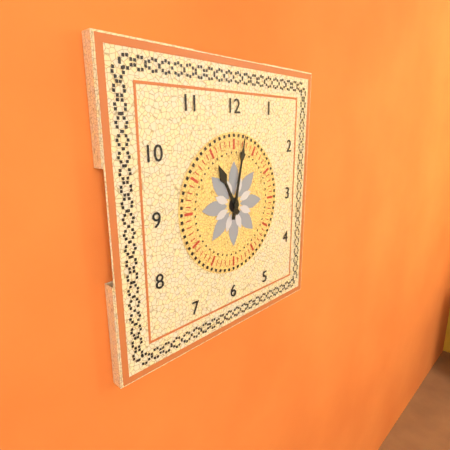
11:02
